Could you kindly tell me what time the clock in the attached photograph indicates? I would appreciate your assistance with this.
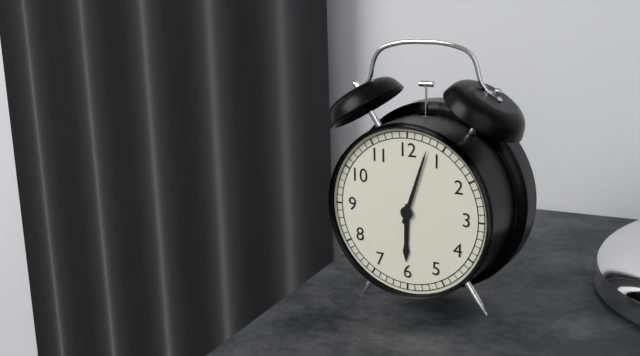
6:03
